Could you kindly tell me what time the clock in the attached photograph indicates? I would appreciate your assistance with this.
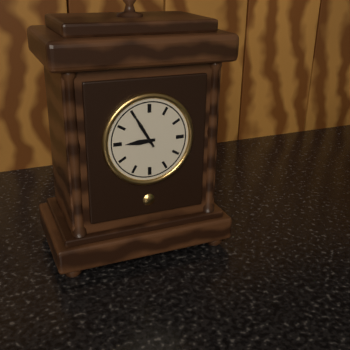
8:55
